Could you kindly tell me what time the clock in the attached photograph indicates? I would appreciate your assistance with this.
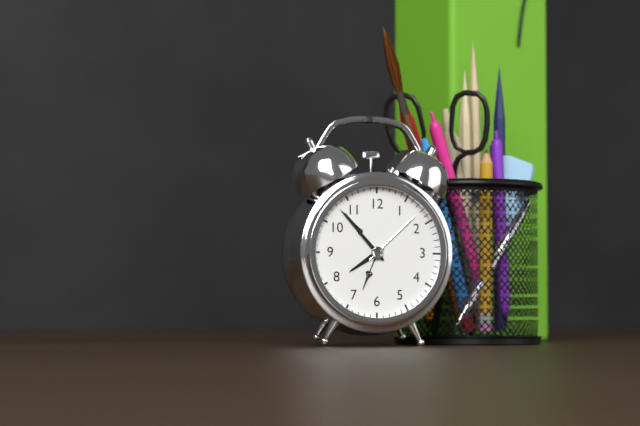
7:53
